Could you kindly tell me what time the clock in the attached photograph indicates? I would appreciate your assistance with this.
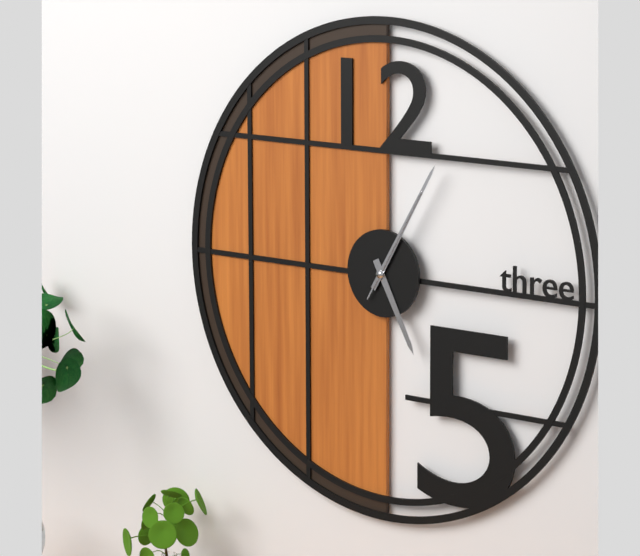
5:05:05
